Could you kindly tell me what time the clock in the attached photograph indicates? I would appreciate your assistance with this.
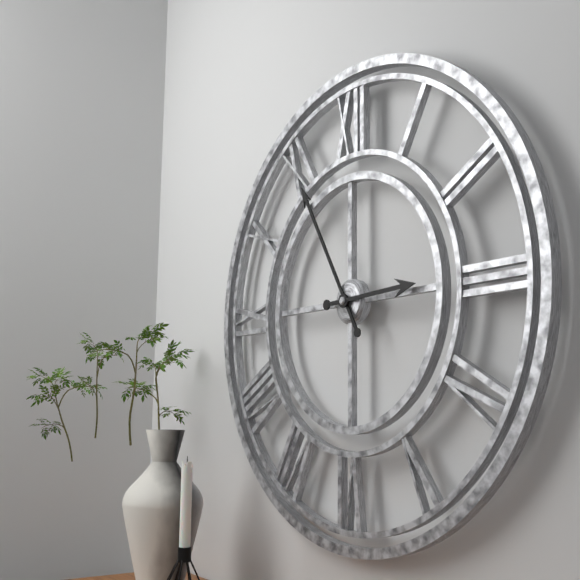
2:55
